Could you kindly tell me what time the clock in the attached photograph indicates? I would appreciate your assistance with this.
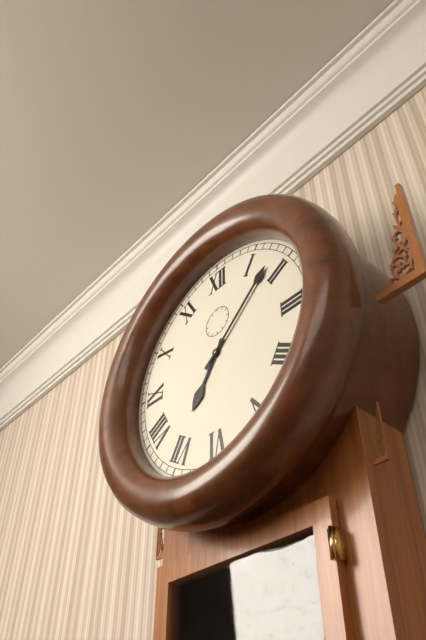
7:08
